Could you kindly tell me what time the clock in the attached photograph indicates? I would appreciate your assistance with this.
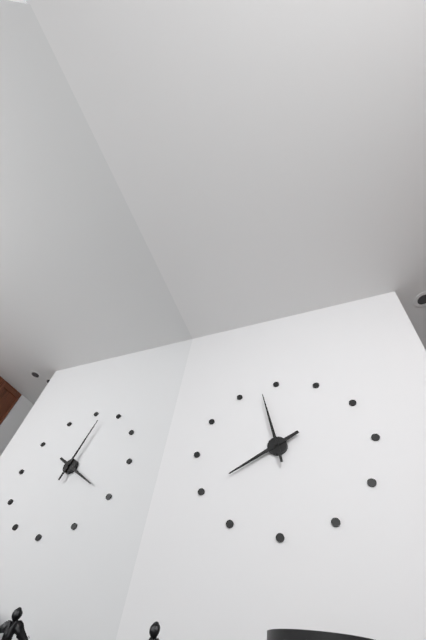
7:58
